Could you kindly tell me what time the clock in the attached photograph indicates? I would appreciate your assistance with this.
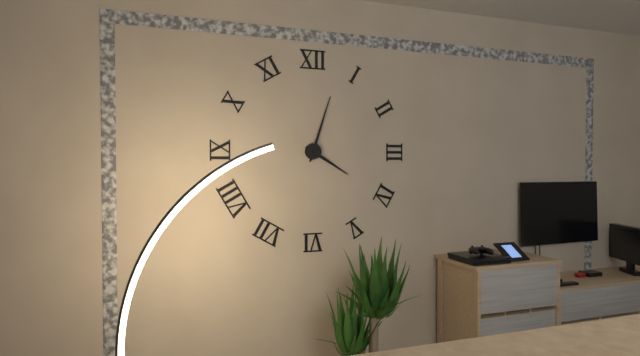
4:03
